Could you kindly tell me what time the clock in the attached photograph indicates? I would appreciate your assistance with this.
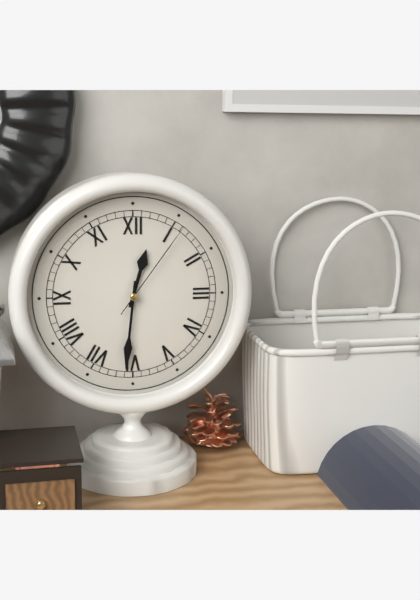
12:31:06
